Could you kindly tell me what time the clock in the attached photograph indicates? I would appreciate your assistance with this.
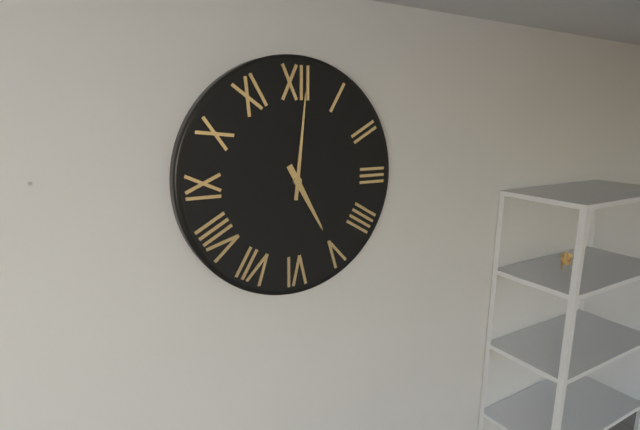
5:01
